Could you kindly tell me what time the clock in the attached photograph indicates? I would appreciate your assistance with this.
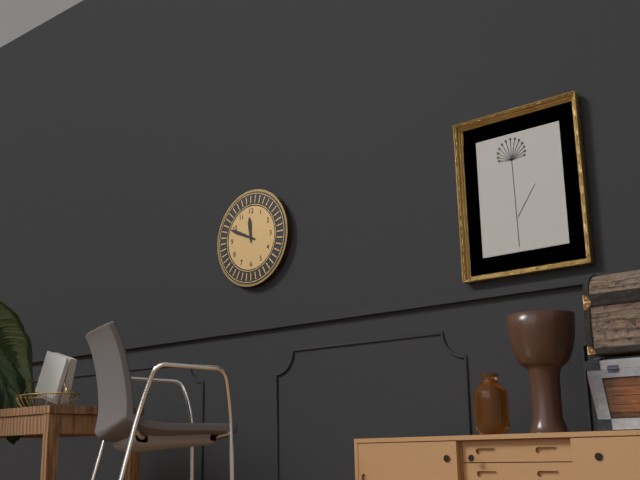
11:49
